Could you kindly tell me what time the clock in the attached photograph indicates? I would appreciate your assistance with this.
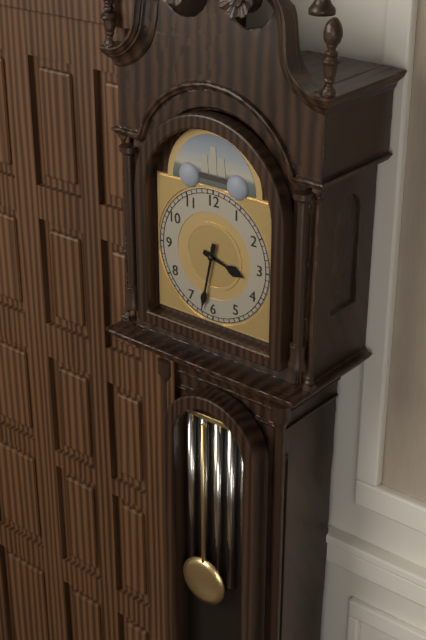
3:32
